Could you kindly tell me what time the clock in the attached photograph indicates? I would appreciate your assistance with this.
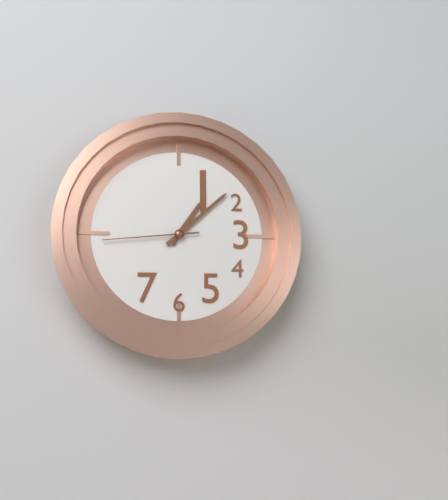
1:08:44
